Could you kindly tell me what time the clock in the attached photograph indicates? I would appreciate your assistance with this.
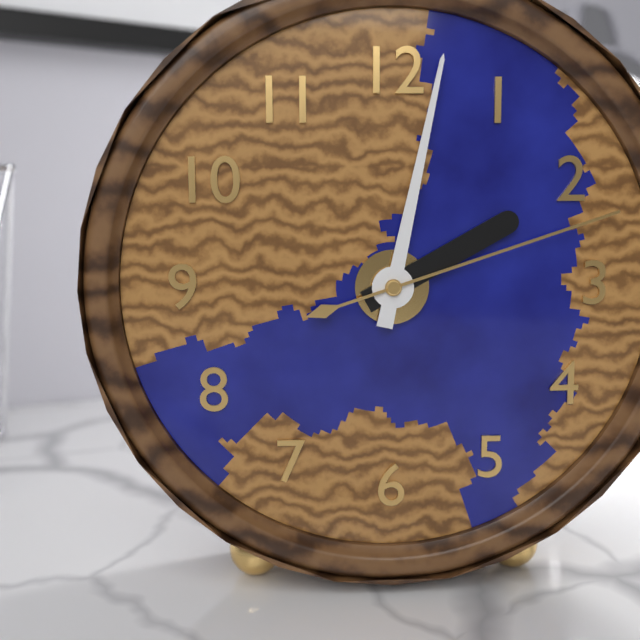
2:02:12
